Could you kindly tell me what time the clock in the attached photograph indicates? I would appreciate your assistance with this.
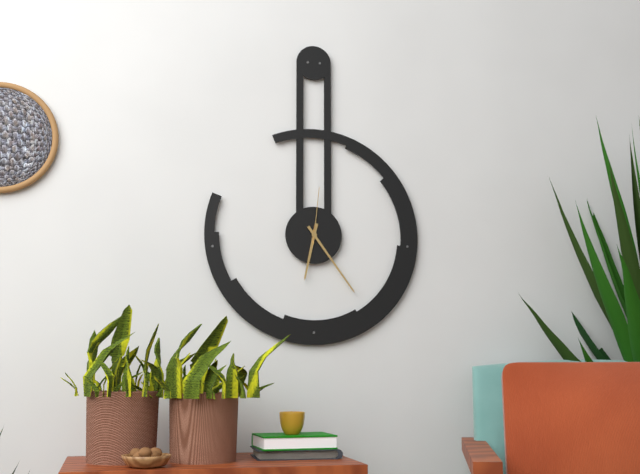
6:24:01
